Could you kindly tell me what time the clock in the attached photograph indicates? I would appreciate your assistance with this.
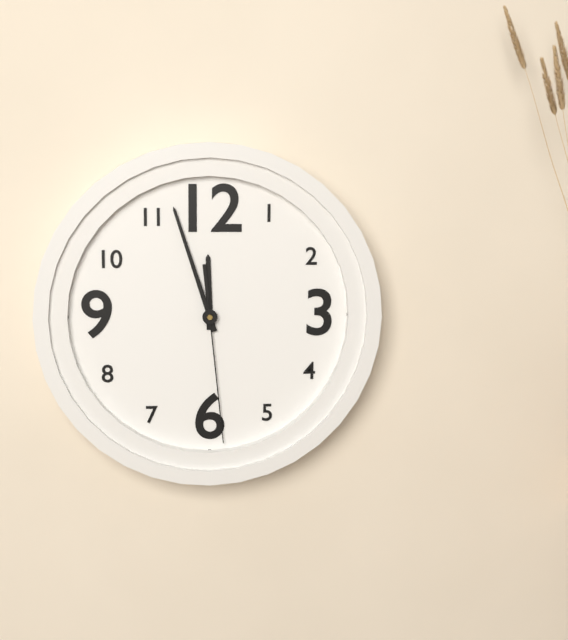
11:57:29
